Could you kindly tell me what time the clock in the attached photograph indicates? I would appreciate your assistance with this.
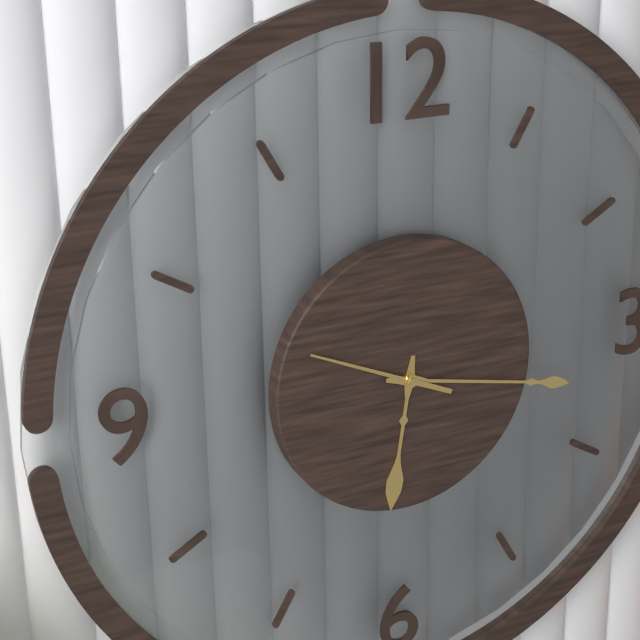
6:17:49
